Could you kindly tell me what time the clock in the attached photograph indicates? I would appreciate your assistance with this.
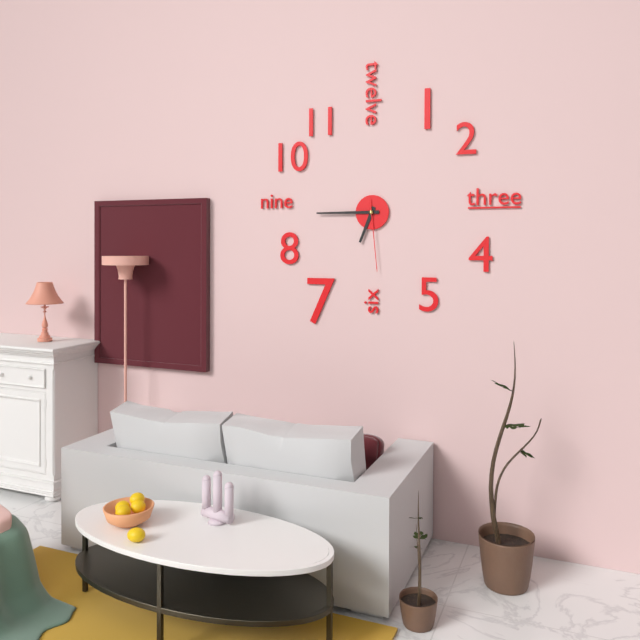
6:45:29
